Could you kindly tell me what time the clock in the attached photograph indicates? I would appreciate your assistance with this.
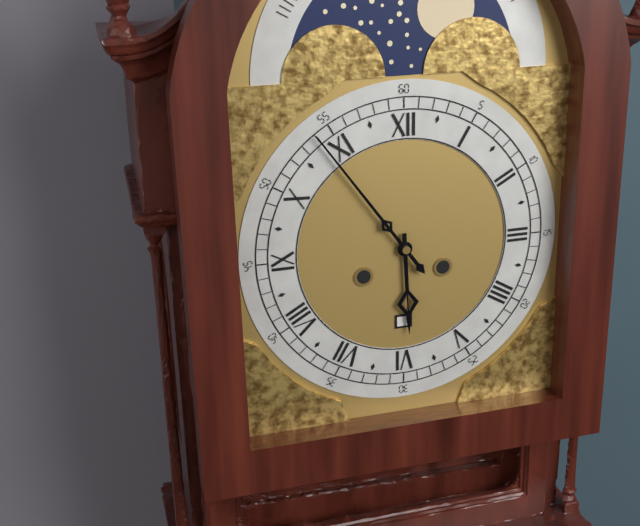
5:54
